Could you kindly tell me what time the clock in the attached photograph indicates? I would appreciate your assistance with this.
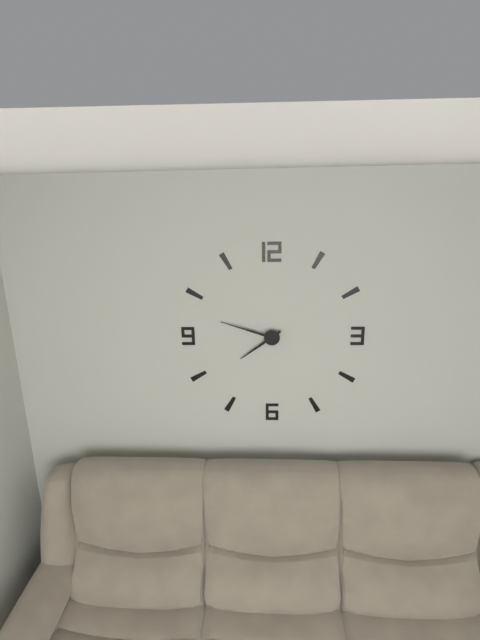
7:48
